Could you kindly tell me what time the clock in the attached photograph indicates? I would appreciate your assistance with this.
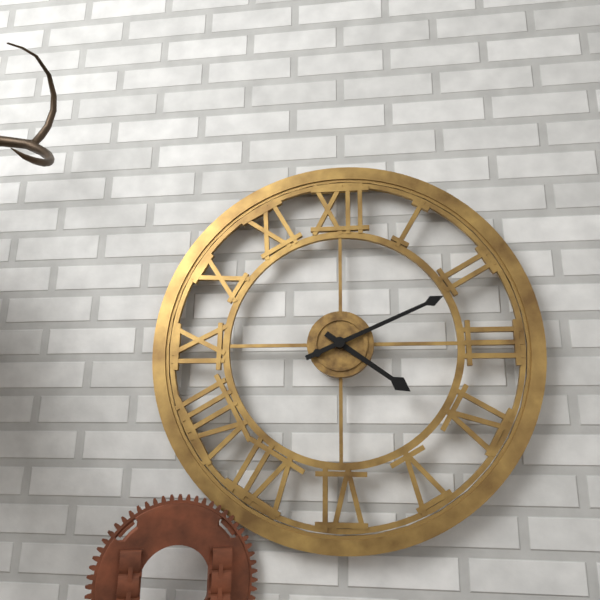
4:11
